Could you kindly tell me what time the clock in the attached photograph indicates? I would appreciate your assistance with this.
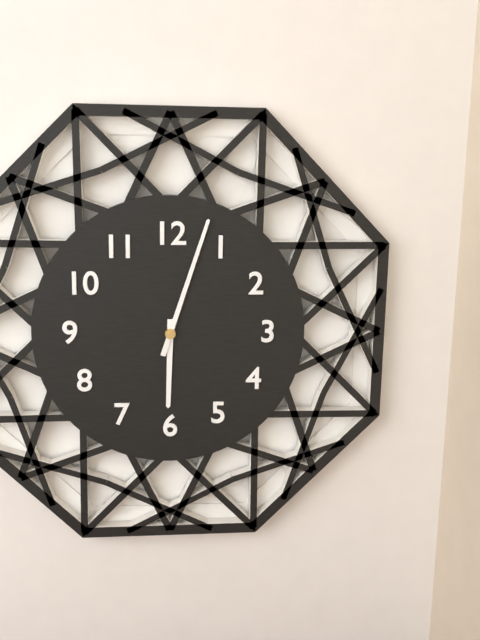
6:03
